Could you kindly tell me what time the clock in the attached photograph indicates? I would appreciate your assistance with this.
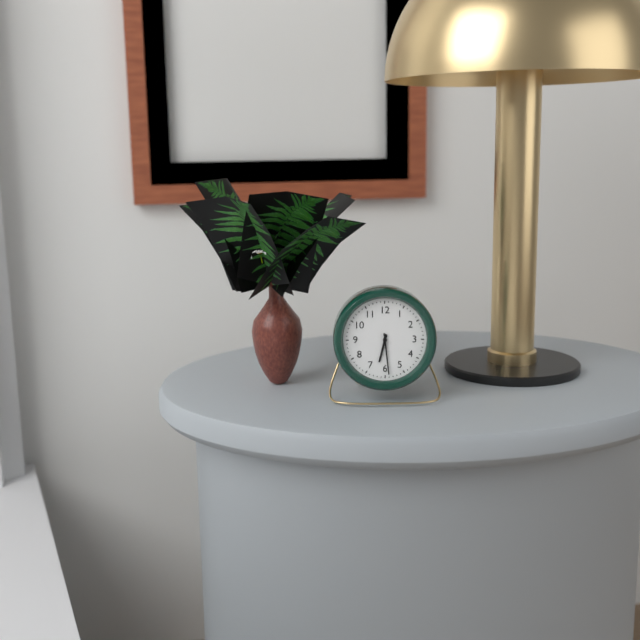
6:29
